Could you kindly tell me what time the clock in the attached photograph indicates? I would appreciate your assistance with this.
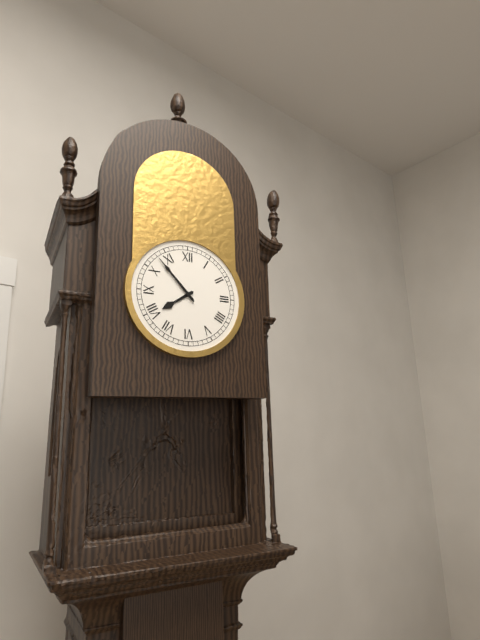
7:53
